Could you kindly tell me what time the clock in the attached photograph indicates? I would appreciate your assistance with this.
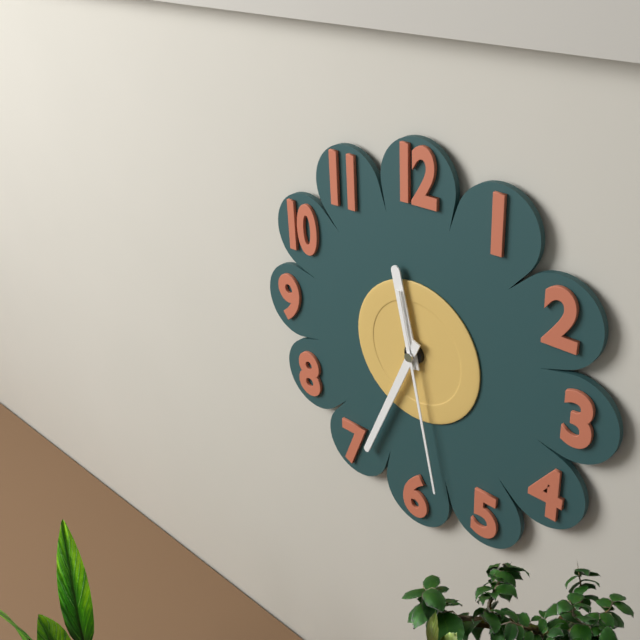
11:34:28
